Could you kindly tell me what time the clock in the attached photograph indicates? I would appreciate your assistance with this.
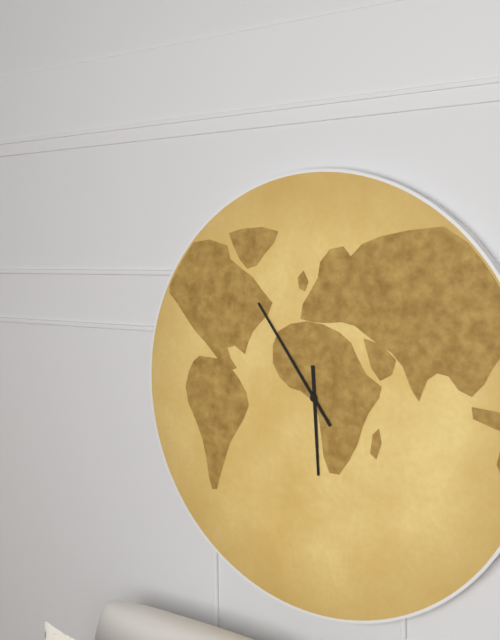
5:54
